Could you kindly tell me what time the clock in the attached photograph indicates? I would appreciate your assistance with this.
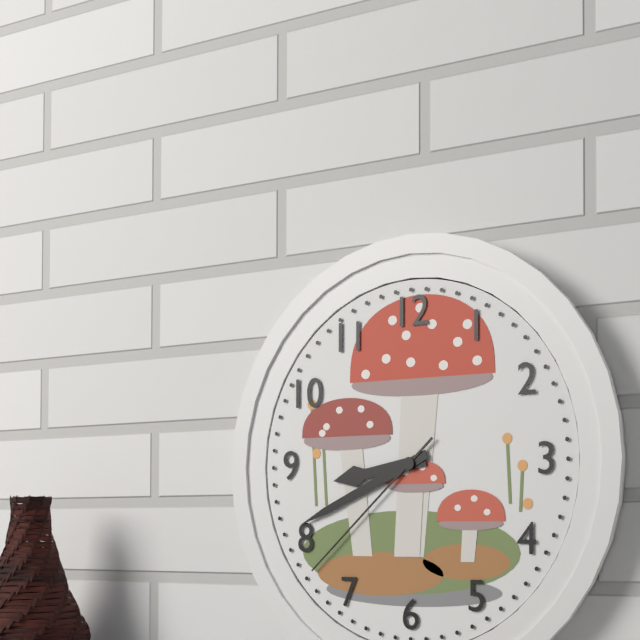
8:41:38
